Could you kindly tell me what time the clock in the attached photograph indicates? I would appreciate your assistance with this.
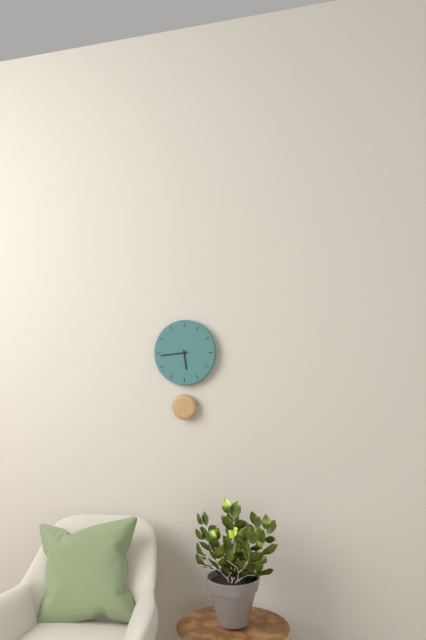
5:44
